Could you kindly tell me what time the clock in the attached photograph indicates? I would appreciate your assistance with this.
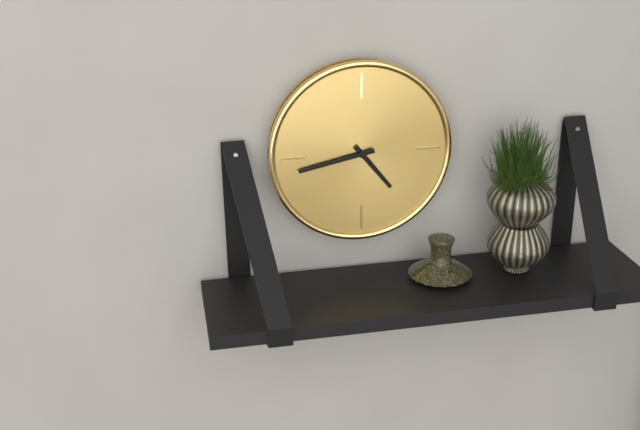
4:43
